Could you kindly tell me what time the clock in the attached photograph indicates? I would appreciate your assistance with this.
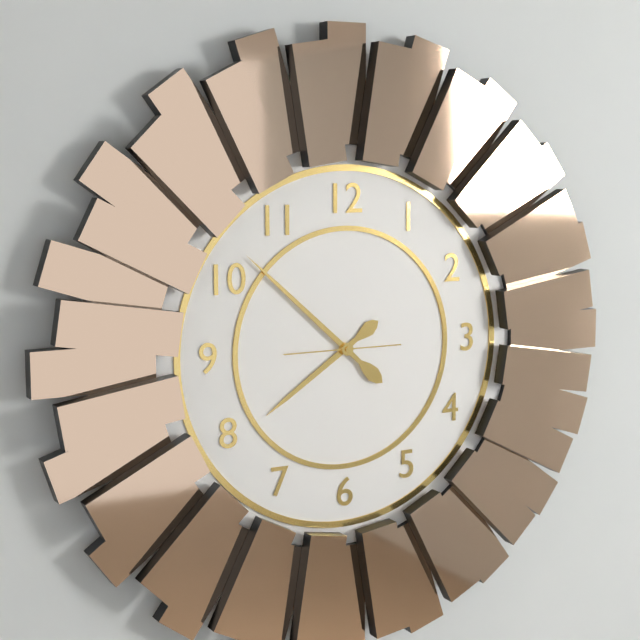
7:52:45
